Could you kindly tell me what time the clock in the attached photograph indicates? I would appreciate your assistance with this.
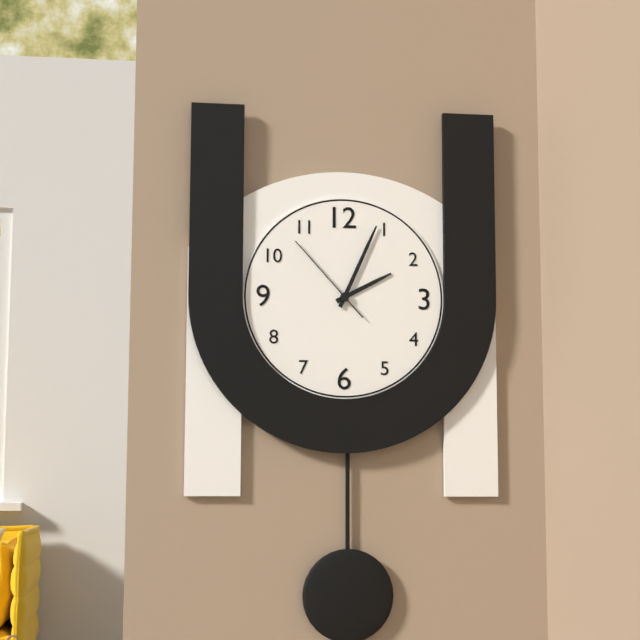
2:04:53
